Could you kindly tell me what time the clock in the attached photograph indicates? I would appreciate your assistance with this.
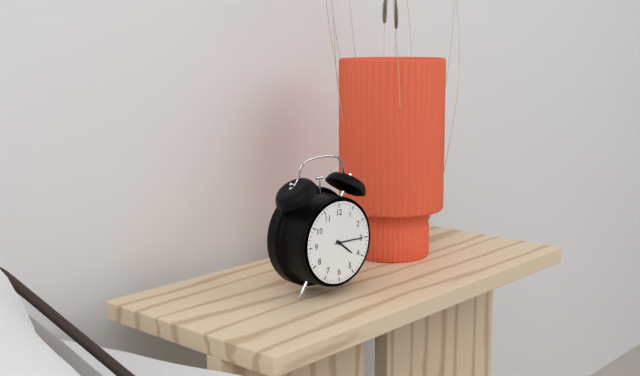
4:15
